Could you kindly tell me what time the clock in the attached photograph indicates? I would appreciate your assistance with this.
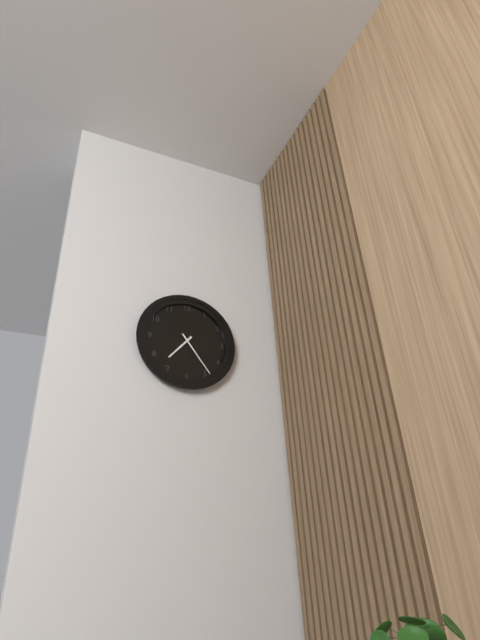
7:24
